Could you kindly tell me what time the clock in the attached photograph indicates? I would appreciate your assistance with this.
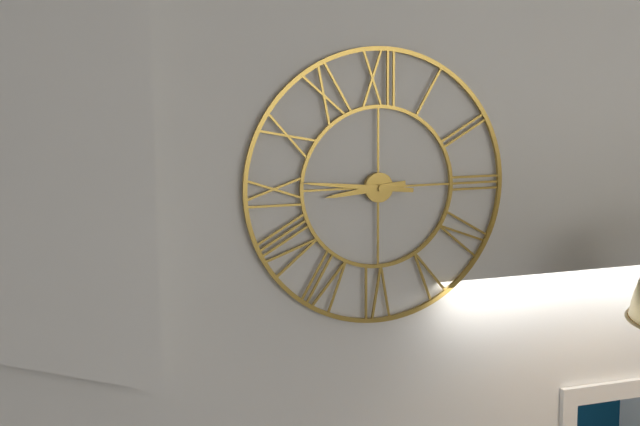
8:46
